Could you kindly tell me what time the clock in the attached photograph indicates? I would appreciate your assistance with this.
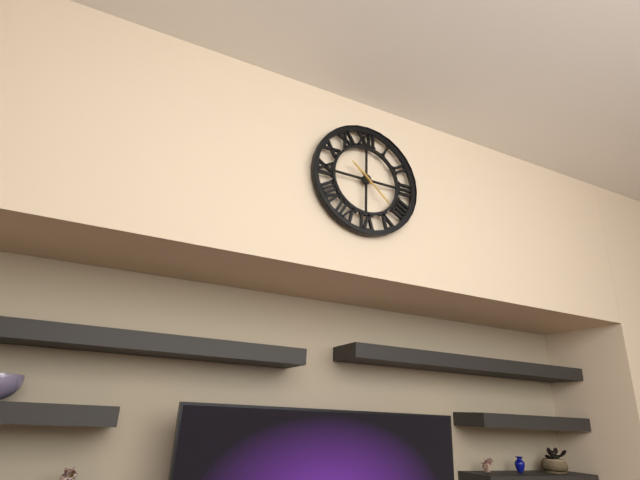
10:22
